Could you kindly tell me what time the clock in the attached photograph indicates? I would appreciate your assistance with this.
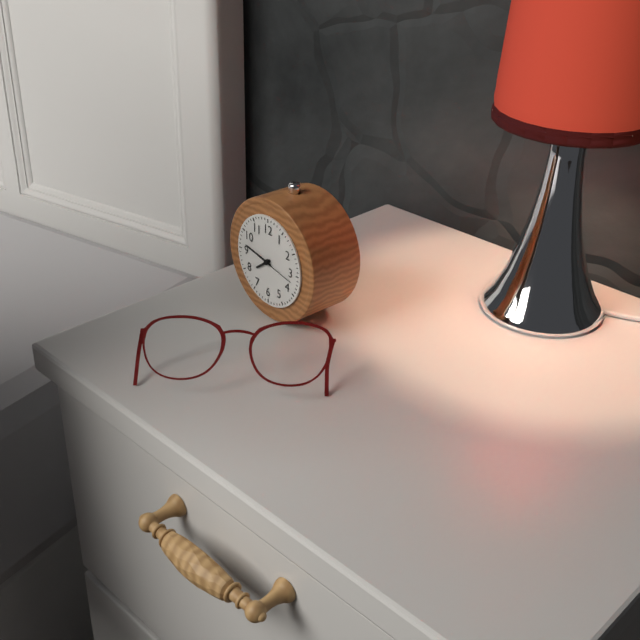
7:47
